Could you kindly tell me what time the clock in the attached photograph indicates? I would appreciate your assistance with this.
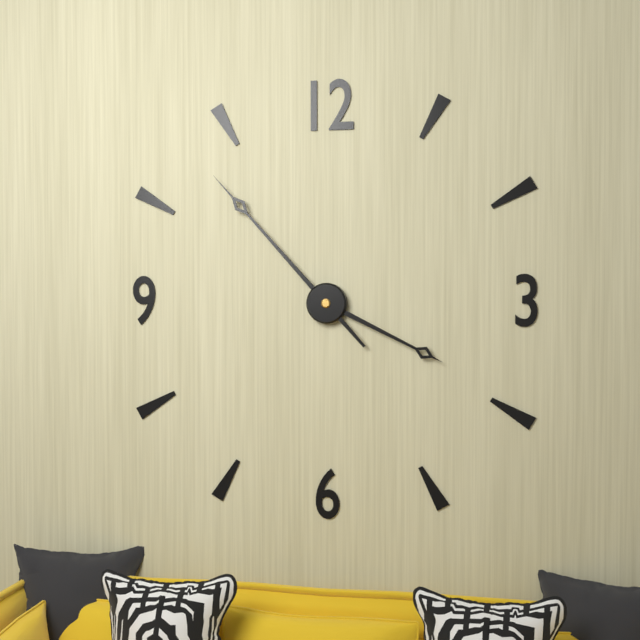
3:53
